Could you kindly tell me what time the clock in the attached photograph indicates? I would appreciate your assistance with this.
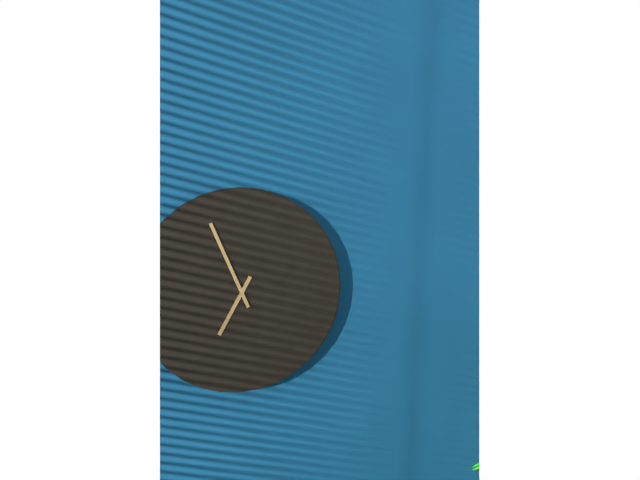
6:56
